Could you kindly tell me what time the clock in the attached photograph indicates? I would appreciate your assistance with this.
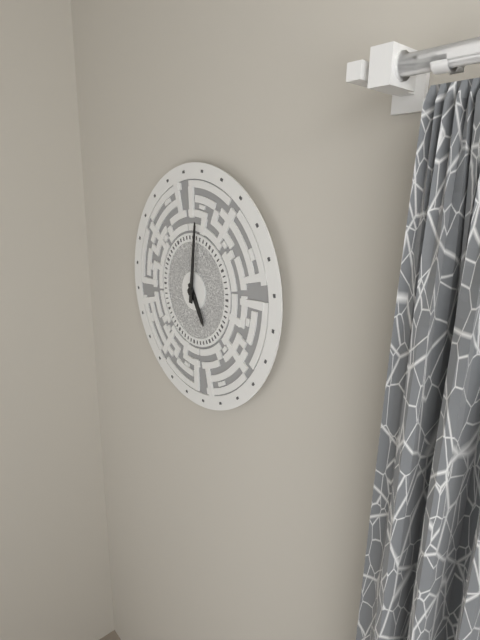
5:01
